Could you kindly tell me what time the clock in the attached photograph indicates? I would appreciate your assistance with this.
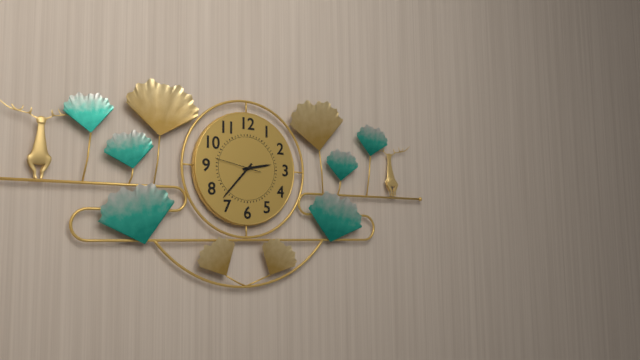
2:37
